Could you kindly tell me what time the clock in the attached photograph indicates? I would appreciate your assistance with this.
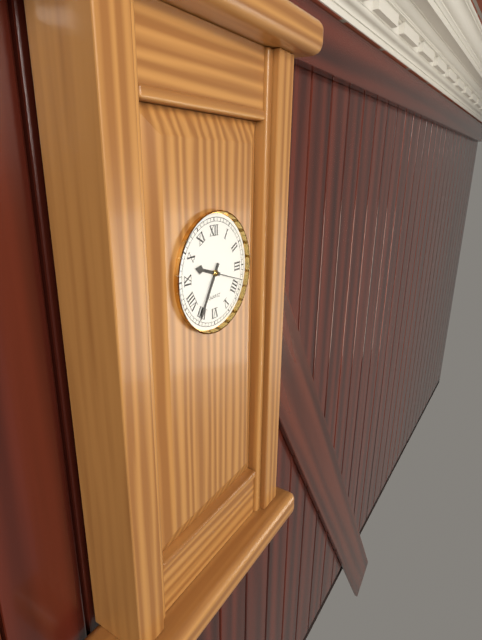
9:35
